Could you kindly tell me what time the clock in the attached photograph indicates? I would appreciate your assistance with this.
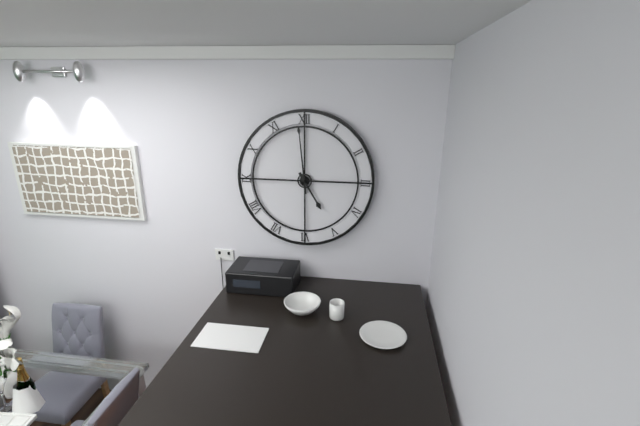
4:59
